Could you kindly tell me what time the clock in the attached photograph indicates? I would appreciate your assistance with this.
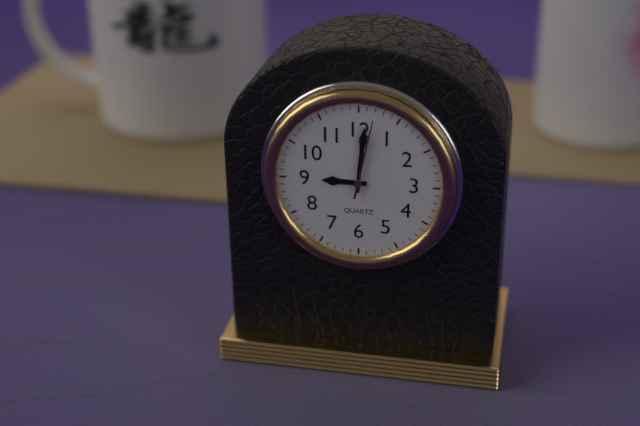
9:01:02
